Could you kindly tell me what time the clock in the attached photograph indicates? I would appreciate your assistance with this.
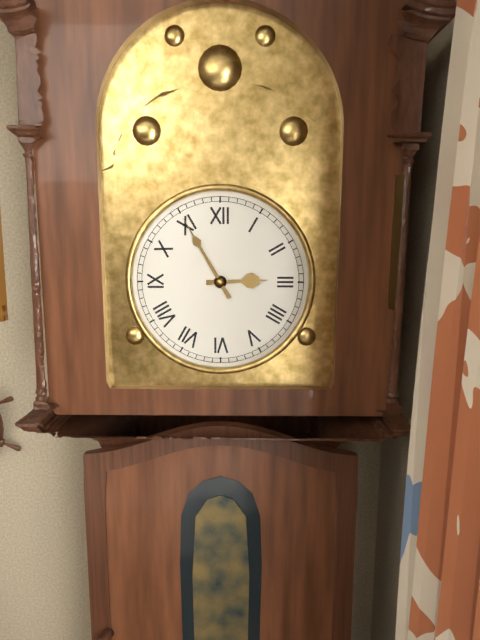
2:55
